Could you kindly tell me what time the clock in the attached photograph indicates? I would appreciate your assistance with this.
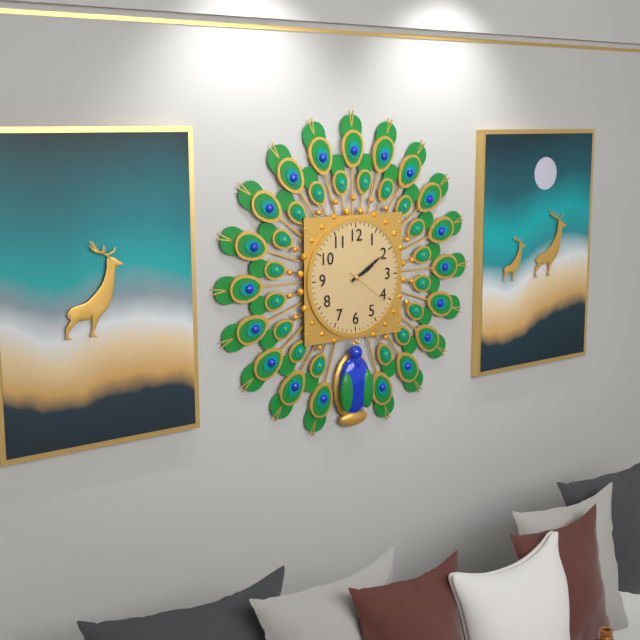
2:10:21
